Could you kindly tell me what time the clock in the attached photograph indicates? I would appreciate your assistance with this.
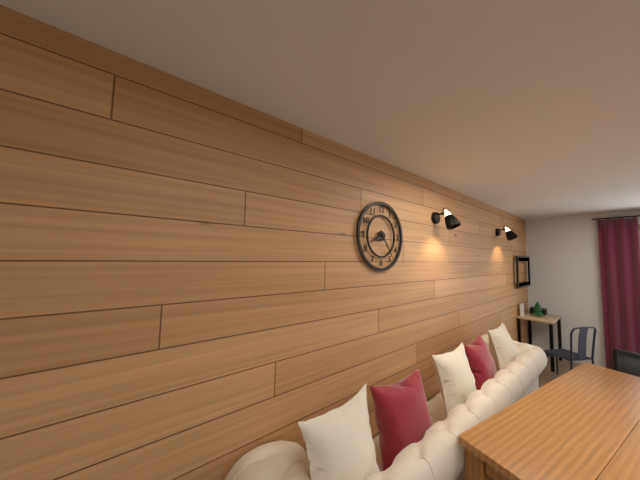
8:24
